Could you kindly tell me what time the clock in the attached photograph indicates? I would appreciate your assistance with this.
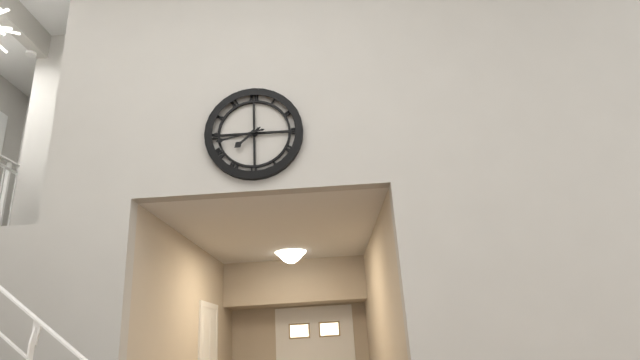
7:43
